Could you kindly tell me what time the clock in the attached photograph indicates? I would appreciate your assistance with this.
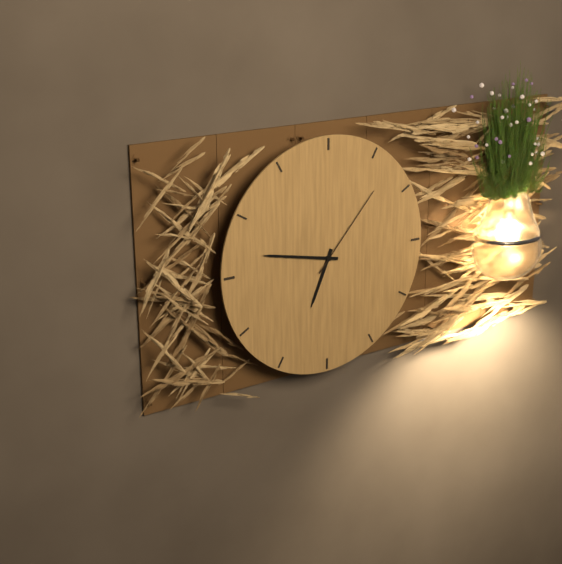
6:47:07
